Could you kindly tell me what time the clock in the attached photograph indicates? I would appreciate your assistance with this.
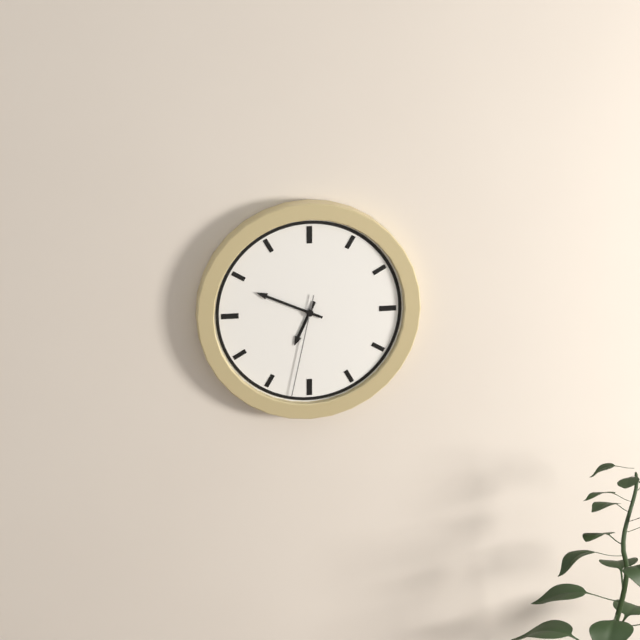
6:49:32
